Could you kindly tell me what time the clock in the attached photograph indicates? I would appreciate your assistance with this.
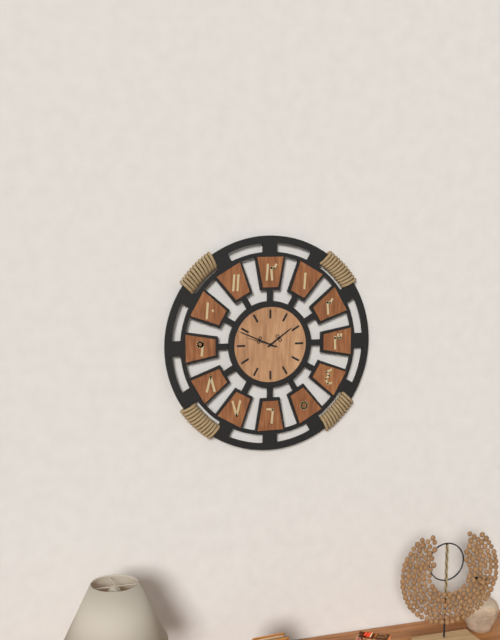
1:49
